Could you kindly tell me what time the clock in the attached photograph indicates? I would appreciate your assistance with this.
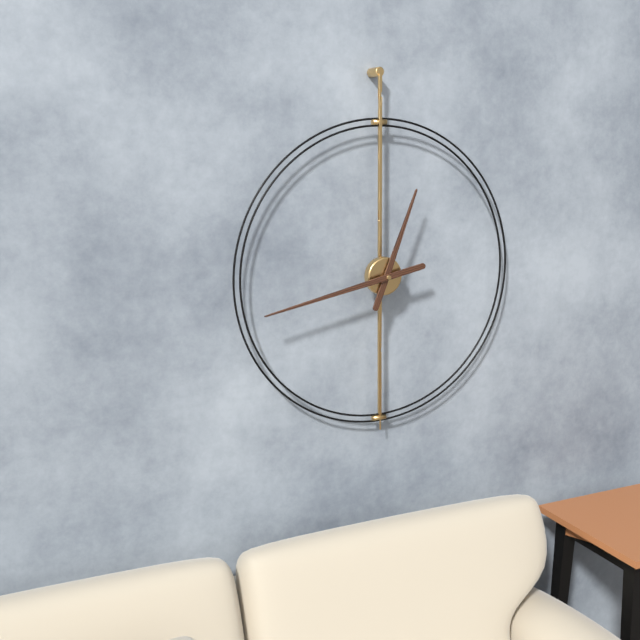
12:43
